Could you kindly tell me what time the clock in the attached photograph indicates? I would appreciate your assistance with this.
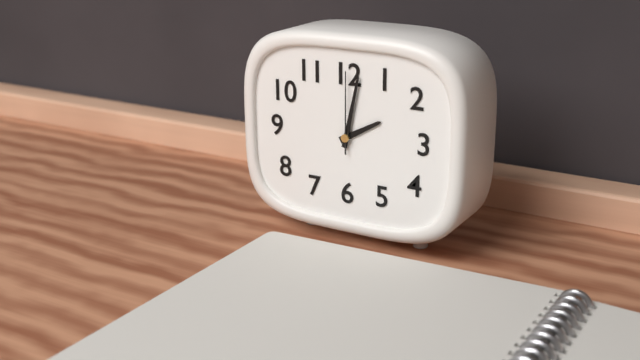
2:02:00
